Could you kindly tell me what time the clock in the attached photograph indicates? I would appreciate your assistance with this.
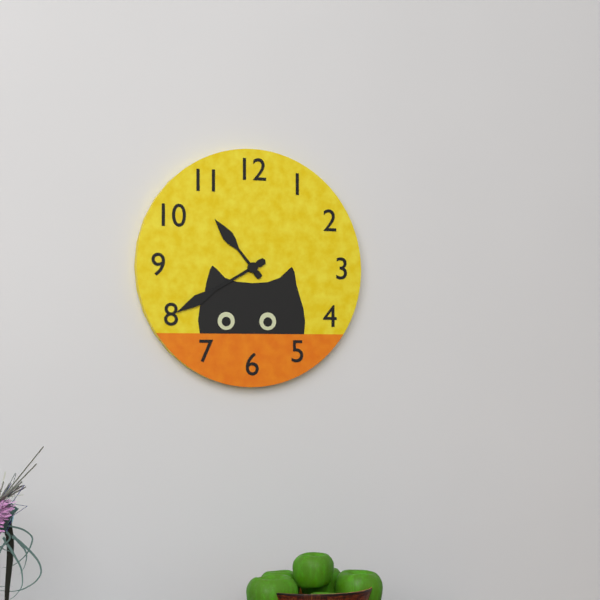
10:40
